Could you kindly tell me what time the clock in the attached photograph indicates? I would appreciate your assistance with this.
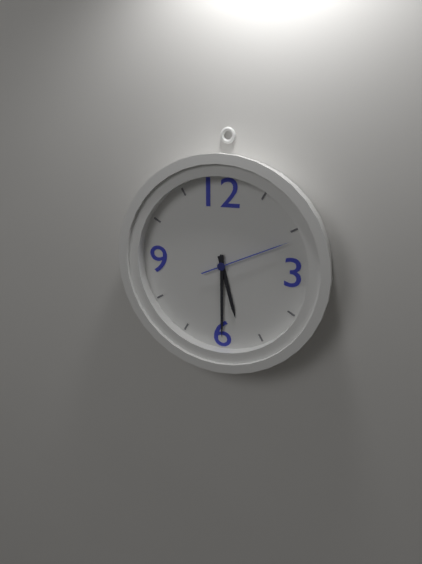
5:30:11
